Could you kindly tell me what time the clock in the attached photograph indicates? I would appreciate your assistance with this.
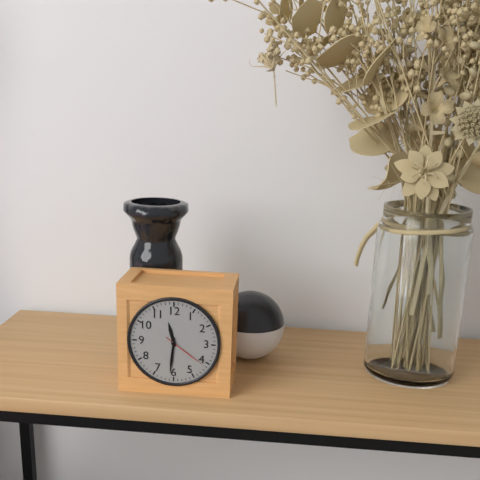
11:31
